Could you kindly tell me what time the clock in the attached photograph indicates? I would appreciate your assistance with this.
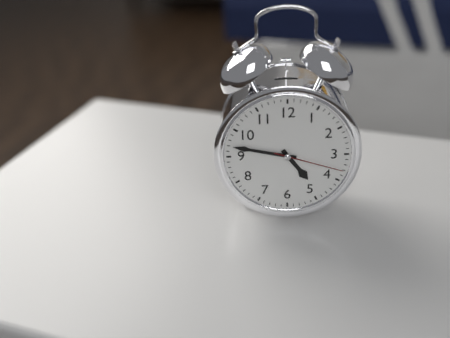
4:47:18
